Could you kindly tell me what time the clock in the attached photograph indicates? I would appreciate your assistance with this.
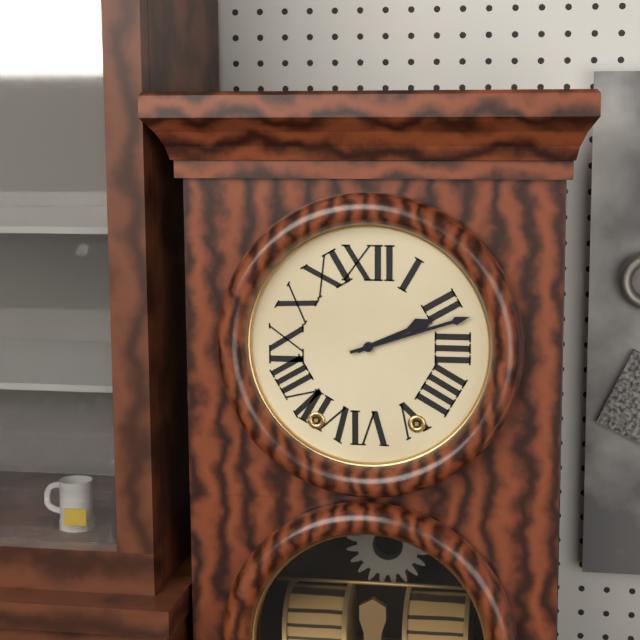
2:12
